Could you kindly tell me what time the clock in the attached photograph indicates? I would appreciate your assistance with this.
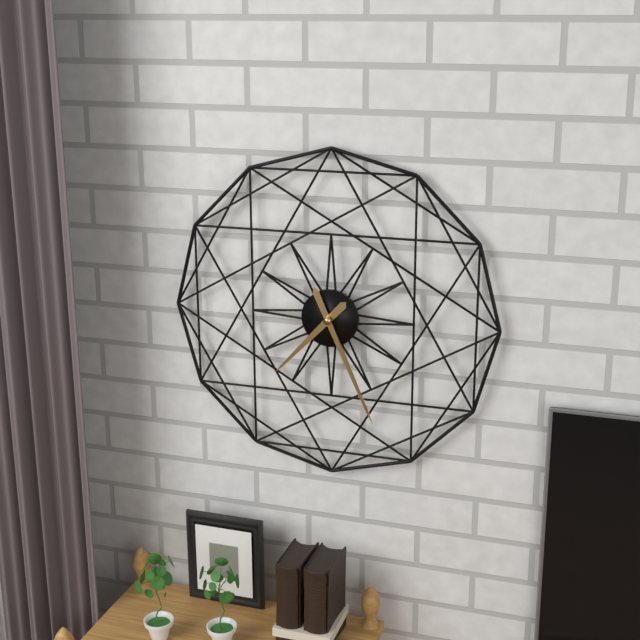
7:26
